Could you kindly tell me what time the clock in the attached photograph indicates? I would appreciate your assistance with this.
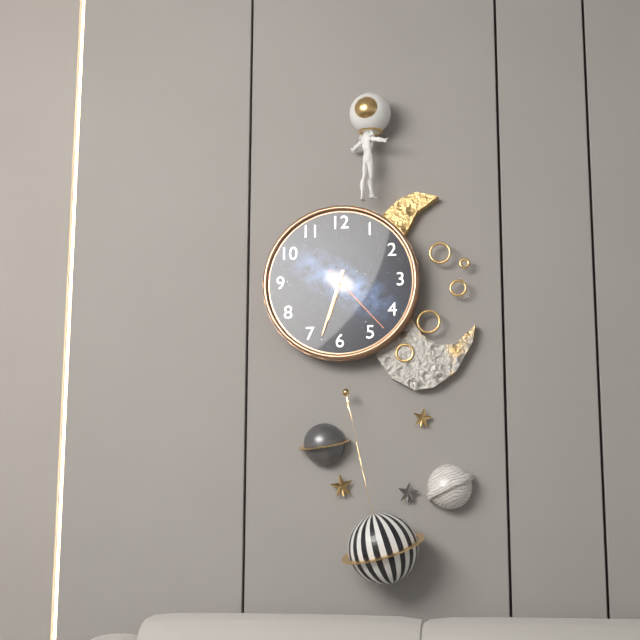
6:33:23
